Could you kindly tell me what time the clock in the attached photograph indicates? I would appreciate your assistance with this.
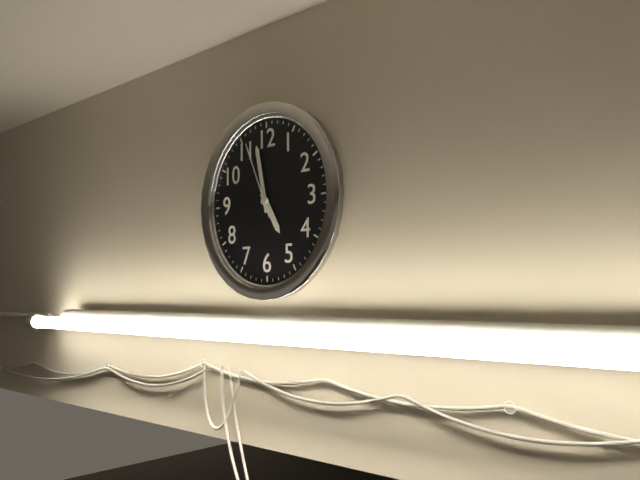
4:58:56
